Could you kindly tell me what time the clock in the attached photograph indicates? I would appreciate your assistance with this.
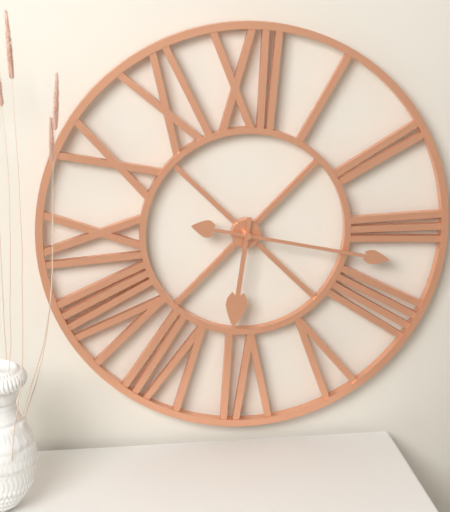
6:17
